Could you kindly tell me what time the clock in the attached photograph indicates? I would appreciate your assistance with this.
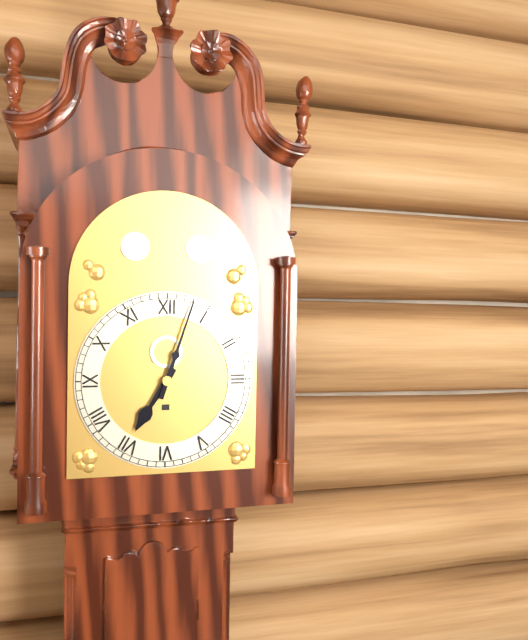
7:03
